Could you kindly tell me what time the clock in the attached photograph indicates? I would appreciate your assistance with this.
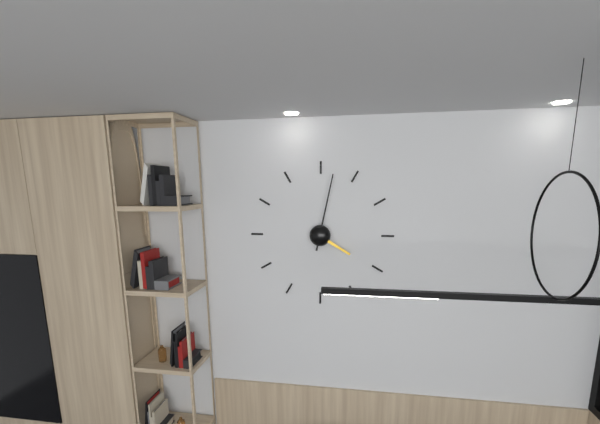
4:02
